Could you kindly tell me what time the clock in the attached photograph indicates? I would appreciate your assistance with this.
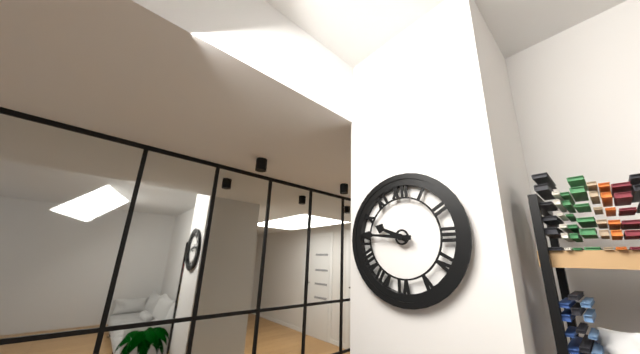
9:46
